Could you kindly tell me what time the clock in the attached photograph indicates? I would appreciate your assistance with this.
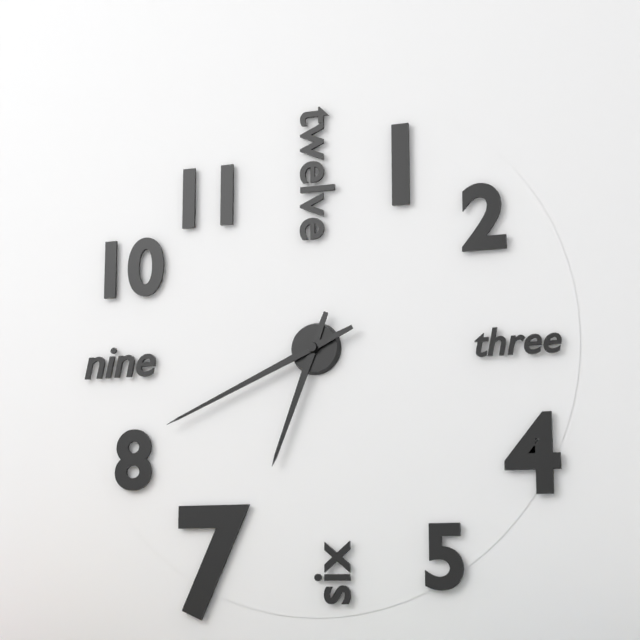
6:41
